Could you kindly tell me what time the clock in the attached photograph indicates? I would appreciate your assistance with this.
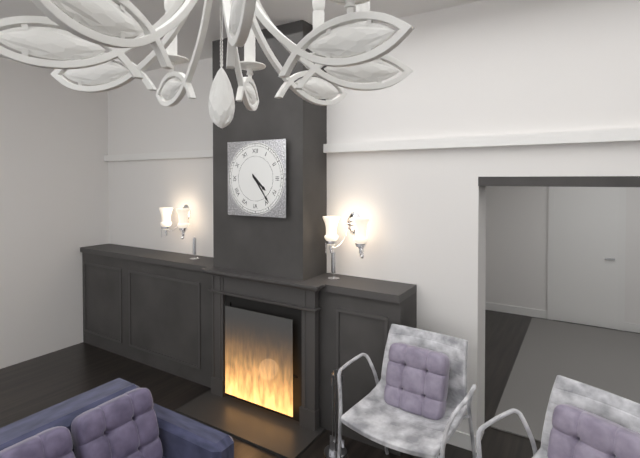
4:24
